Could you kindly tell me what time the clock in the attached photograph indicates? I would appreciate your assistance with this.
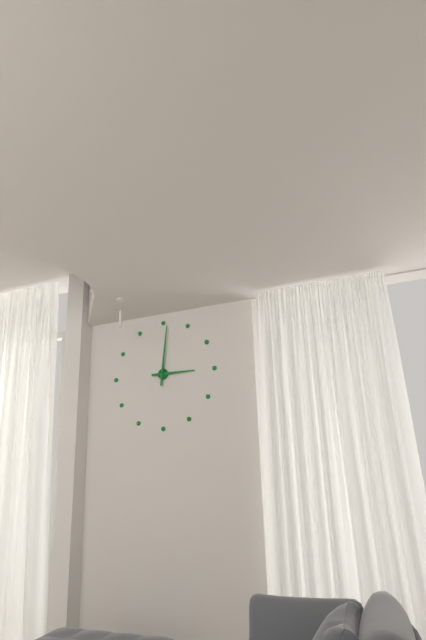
3:01
